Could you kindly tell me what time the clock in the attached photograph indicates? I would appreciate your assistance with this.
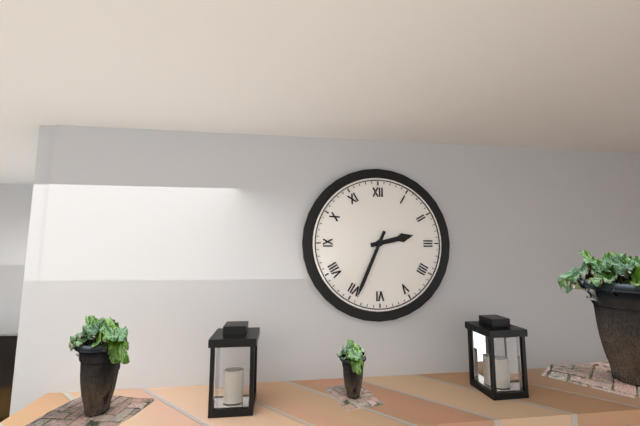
2:34
